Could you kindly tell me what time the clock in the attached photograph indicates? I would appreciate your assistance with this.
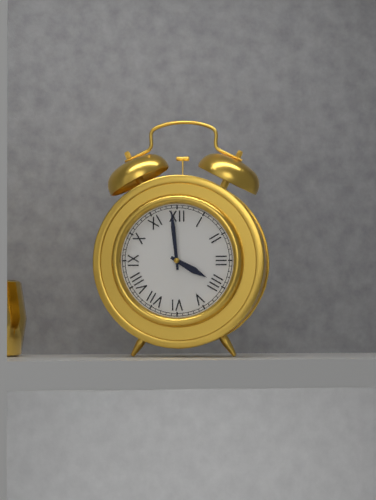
3:59
